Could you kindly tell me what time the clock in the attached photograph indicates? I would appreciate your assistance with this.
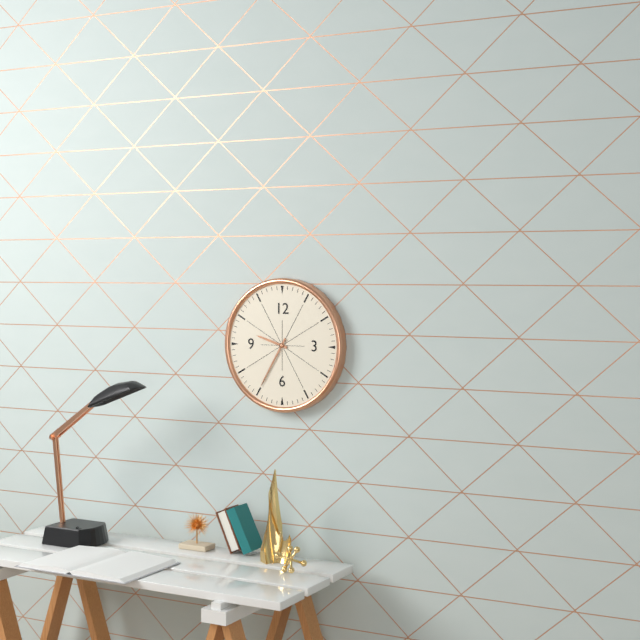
9:35
